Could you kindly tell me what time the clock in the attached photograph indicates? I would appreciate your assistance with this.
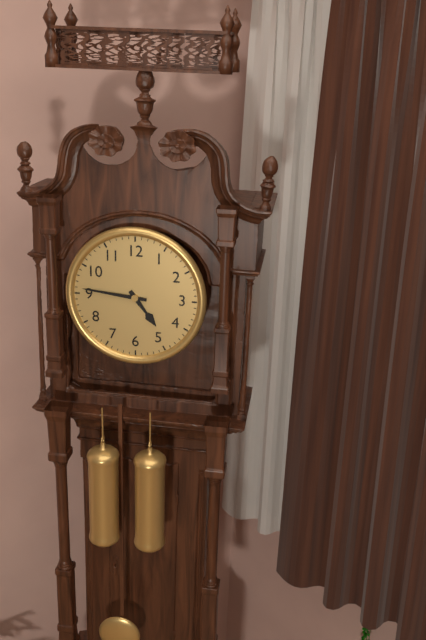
4:46
